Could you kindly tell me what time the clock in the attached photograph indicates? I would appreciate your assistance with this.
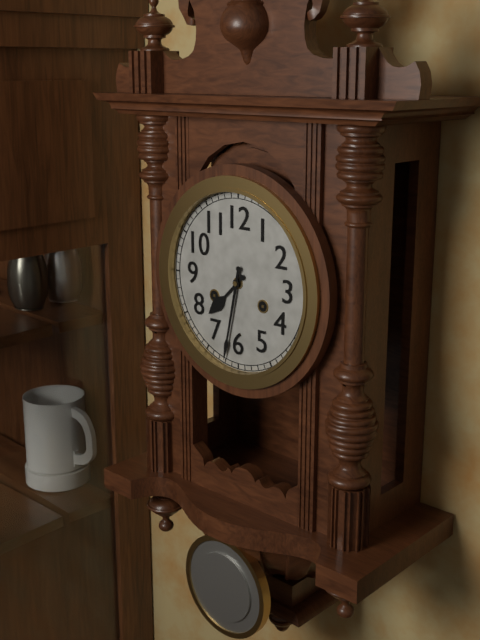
7:32
